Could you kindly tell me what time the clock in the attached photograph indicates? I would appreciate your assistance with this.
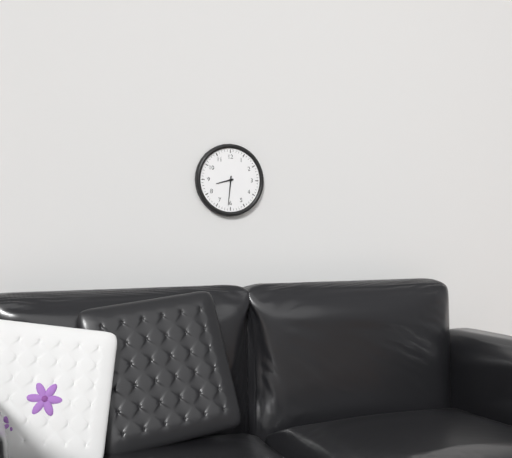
8:31
